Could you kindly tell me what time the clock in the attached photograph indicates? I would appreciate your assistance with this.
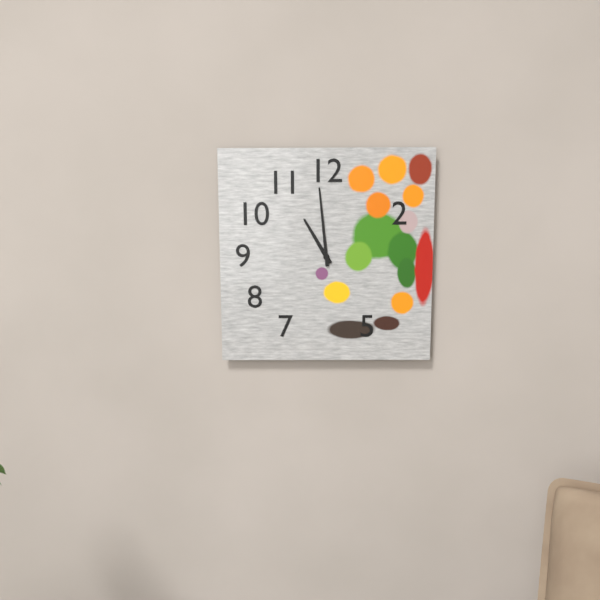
10:59
